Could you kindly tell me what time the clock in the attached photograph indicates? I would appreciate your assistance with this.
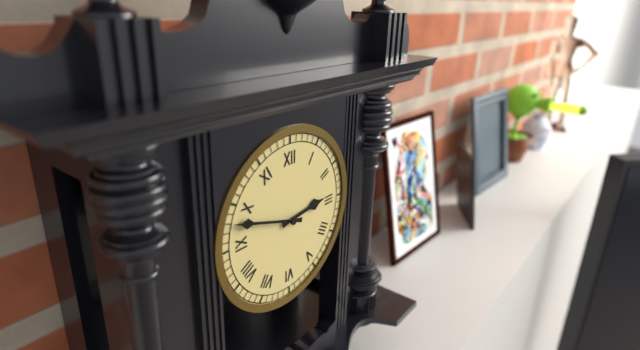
2:48
